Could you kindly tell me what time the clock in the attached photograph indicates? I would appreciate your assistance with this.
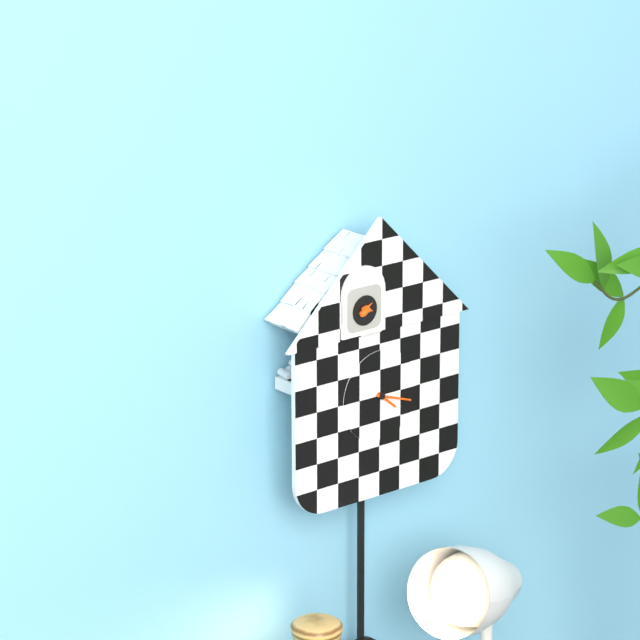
4:18
